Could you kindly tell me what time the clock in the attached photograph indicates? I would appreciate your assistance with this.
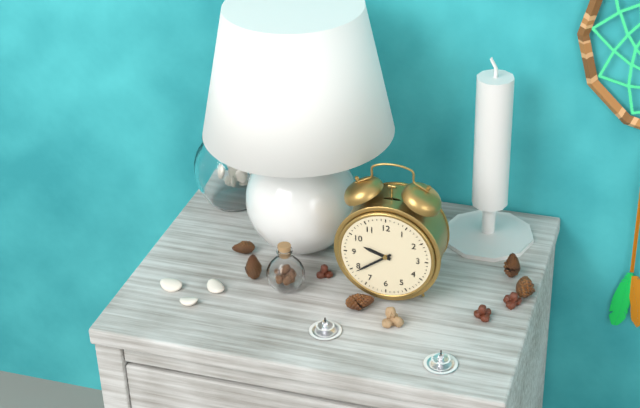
9:39
